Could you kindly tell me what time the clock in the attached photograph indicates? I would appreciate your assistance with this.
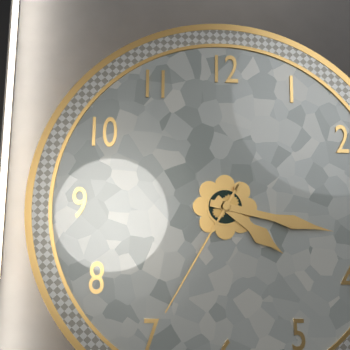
4:17:35
